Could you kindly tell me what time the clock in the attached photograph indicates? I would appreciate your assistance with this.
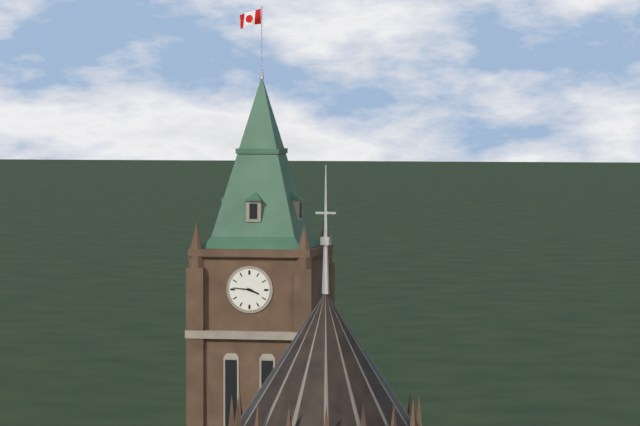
3:46
